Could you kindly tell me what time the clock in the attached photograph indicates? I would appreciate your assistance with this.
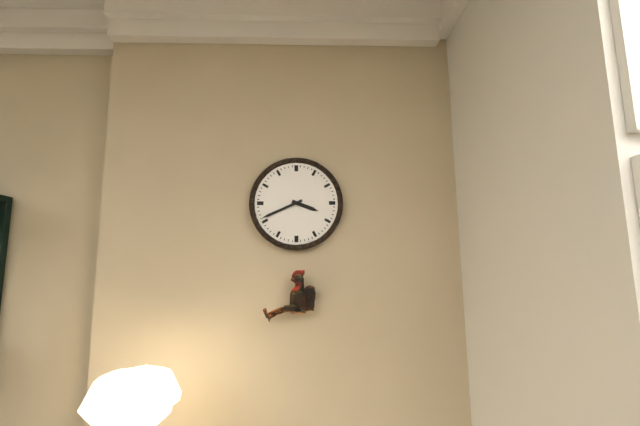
3:41
